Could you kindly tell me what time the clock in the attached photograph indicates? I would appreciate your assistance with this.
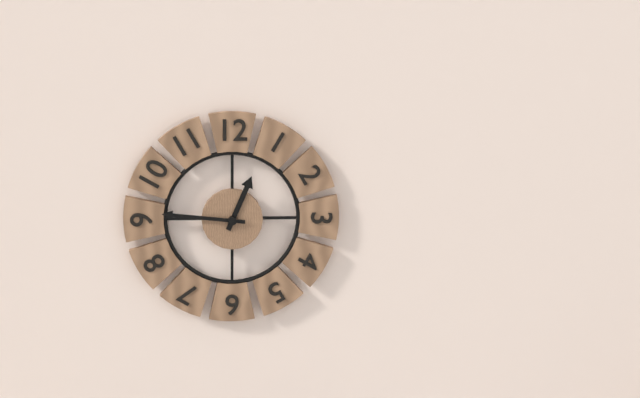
12:46
